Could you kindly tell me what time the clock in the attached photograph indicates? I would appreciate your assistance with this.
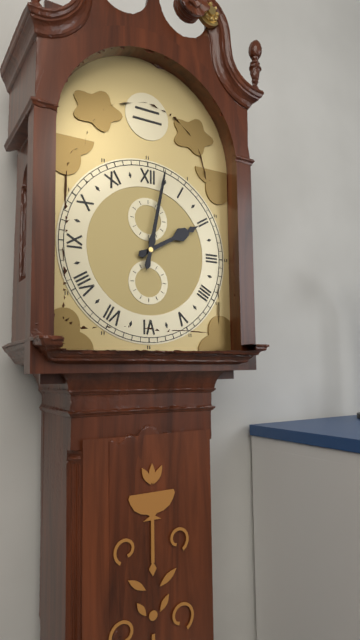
2:02
